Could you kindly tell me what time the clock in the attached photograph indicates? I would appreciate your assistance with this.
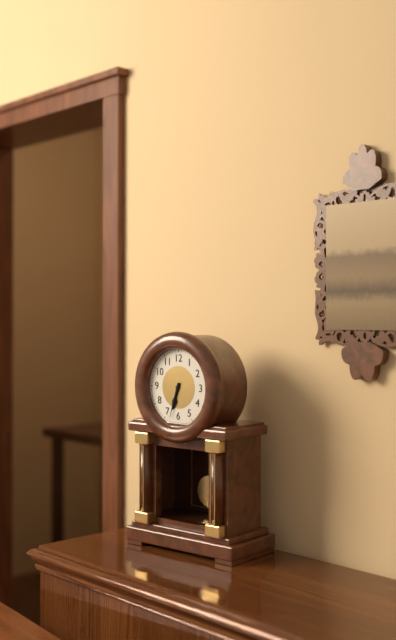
6:33
